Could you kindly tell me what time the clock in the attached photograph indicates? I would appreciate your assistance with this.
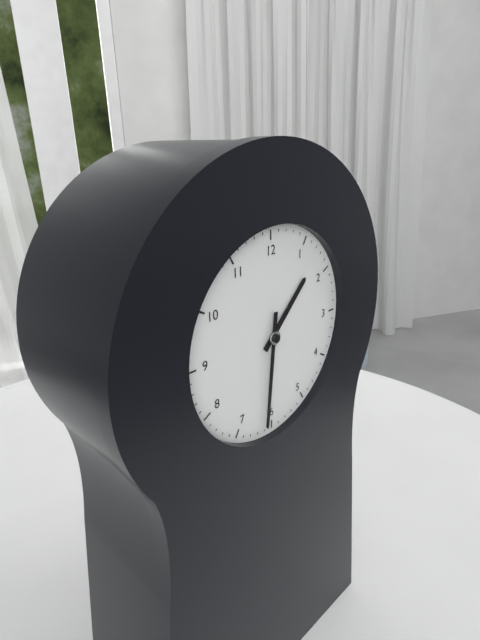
1:31
